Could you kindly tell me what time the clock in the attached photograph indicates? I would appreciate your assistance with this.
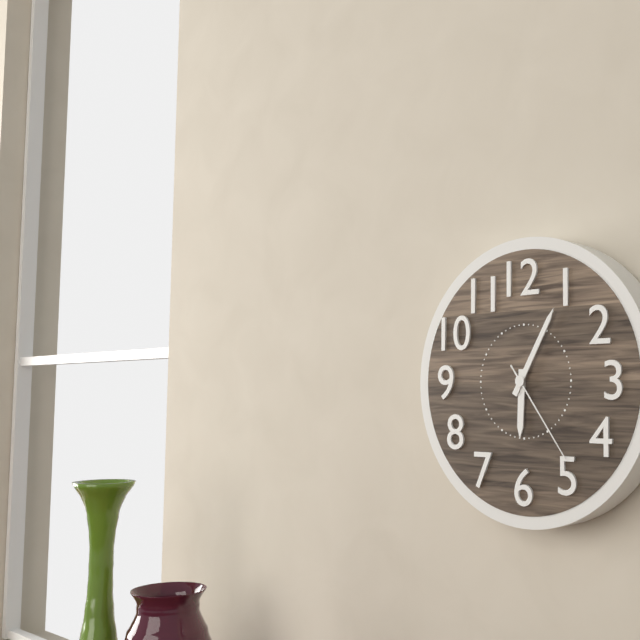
6:05:24
